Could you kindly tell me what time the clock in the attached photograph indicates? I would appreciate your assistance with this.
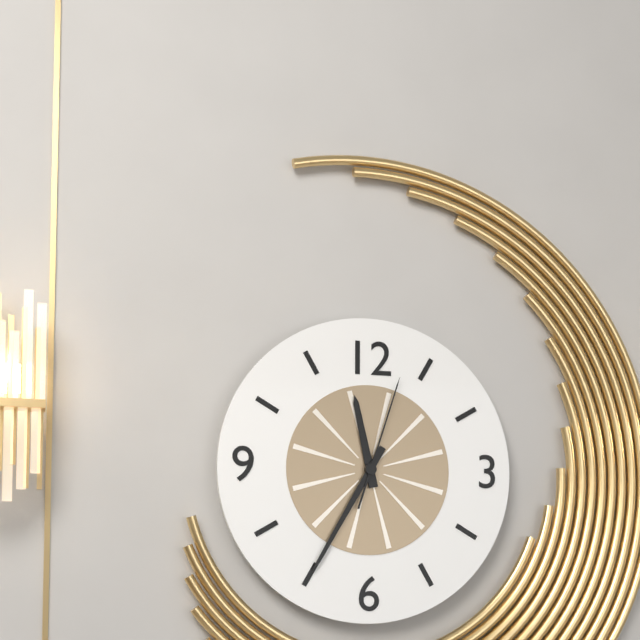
11:35:03
